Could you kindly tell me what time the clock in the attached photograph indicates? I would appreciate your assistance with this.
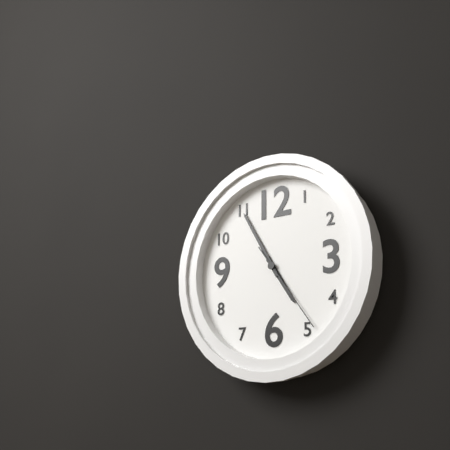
4:55:24
